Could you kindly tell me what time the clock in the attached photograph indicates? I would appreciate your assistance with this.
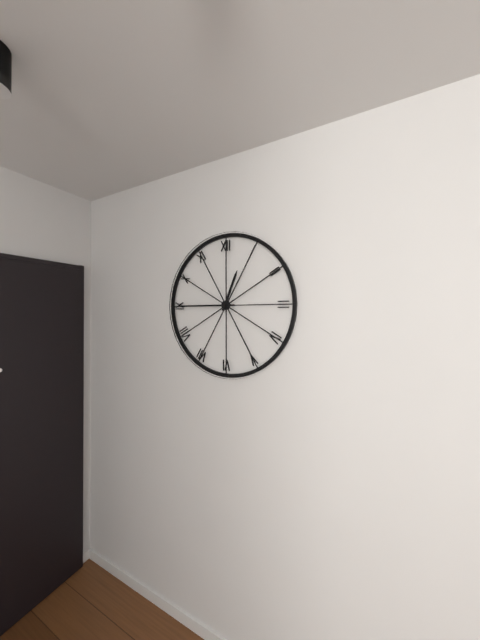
12:45
